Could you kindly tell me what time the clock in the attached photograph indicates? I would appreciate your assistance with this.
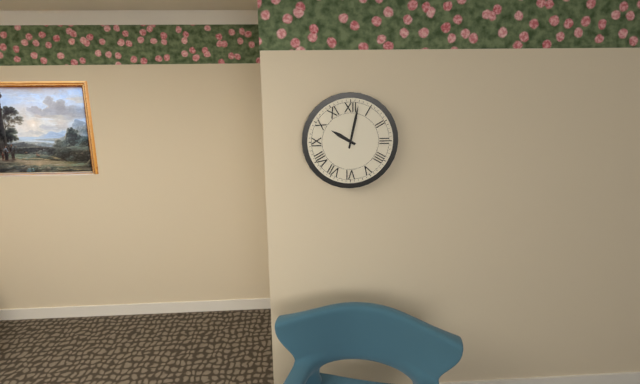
10:02
